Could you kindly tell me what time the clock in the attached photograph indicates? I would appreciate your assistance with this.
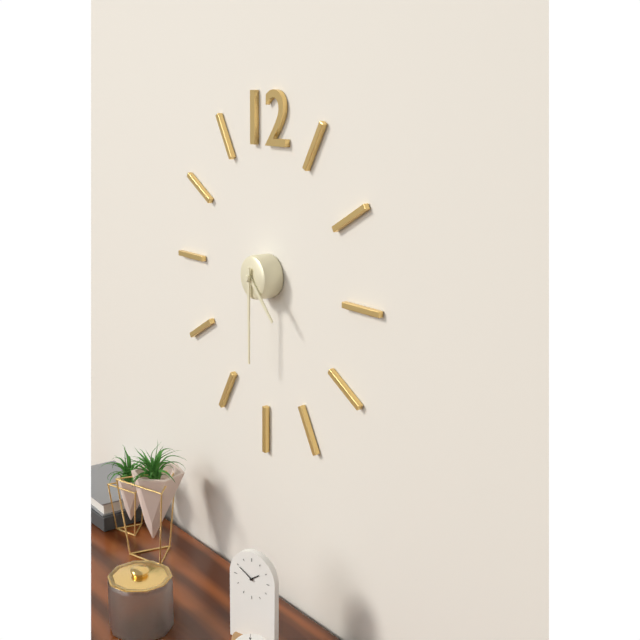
4:30
